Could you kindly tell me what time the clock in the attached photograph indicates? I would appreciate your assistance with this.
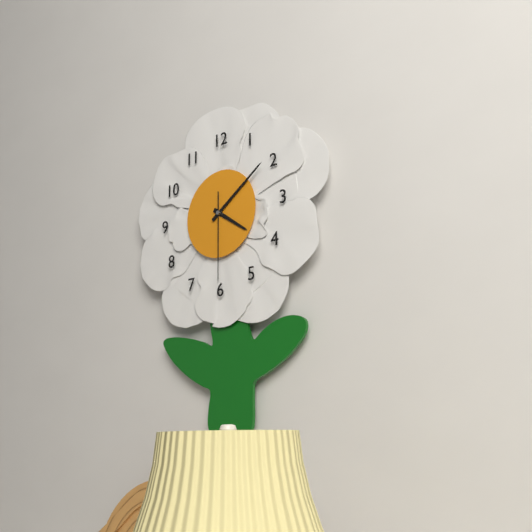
4:09:30
